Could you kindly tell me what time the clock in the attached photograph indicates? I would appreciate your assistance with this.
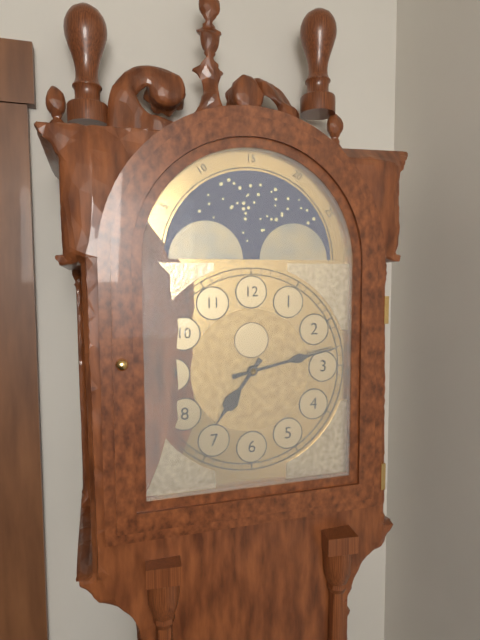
7:13
